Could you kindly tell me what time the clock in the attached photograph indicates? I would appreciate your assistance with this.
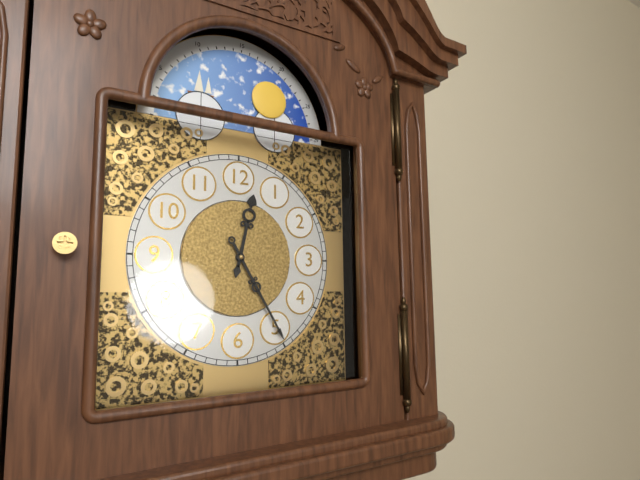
12:25
